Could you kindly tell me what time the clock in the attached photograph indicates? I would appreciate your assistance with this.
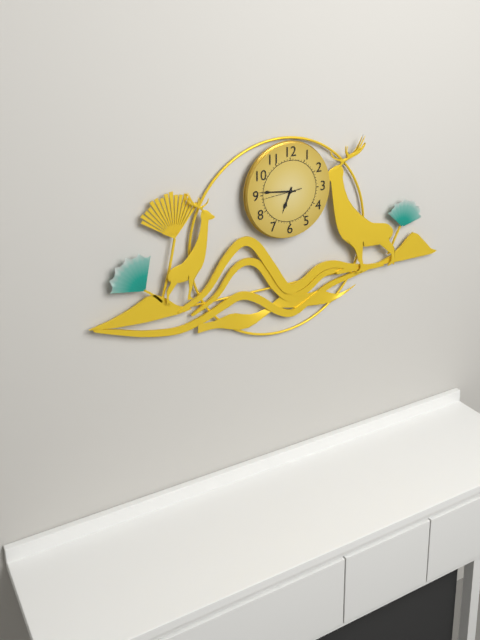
6:46
